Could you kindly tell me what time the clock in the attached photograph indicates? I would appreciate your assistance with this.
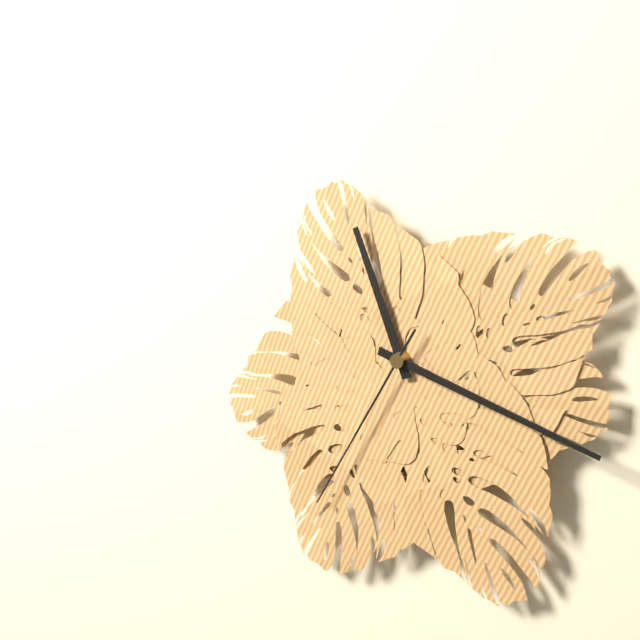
11:18:35
